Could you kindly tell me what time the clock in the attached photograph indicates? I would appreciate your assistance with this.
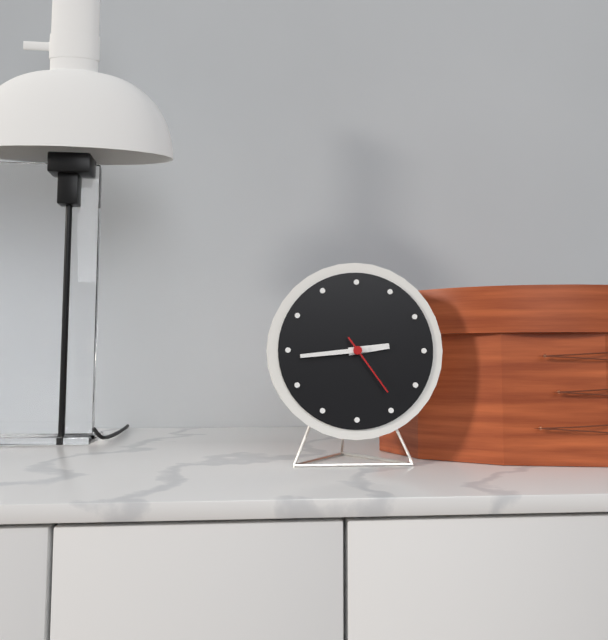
2:44:24
